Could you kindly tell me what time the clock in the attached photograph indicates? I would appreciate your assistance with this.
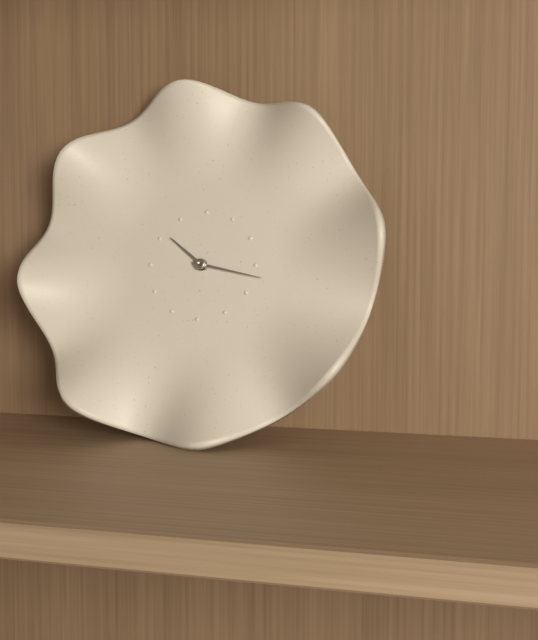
10:17
